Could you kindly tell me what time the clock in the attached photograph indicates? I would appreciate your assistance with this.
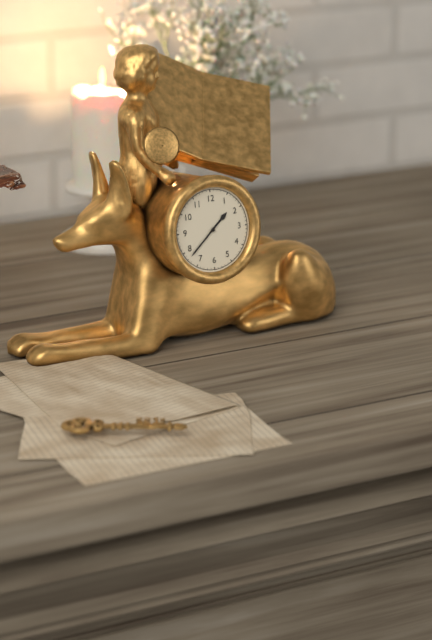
1:38
